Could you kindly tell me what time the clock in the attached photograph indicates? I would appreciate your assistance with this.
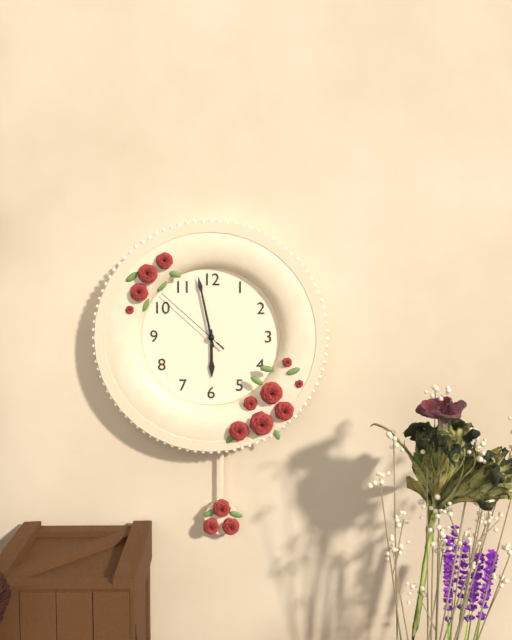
5:58:52
